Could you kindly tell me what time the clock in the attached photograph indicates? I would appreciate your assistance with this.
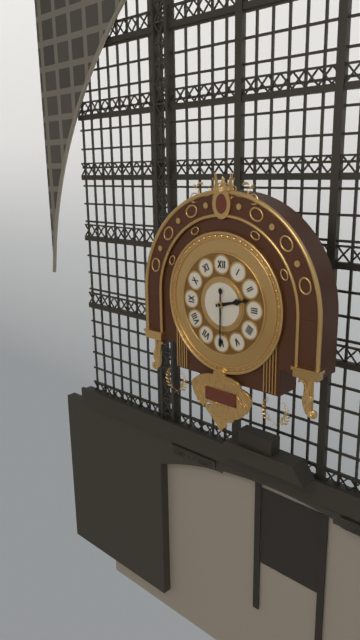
2:30
